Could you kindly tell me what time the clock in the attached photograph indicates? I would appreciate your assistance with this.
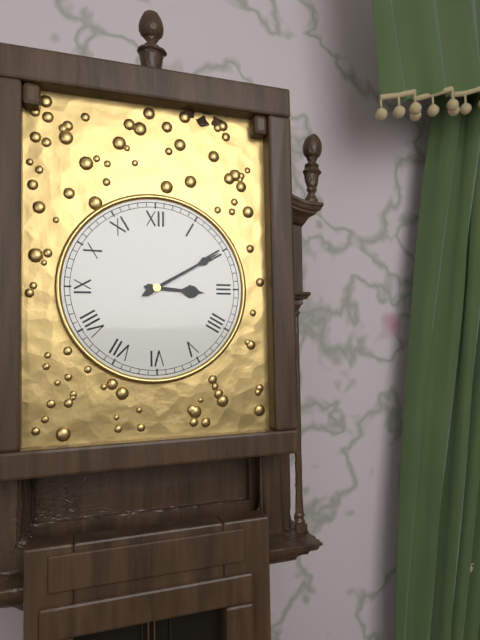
3:10
